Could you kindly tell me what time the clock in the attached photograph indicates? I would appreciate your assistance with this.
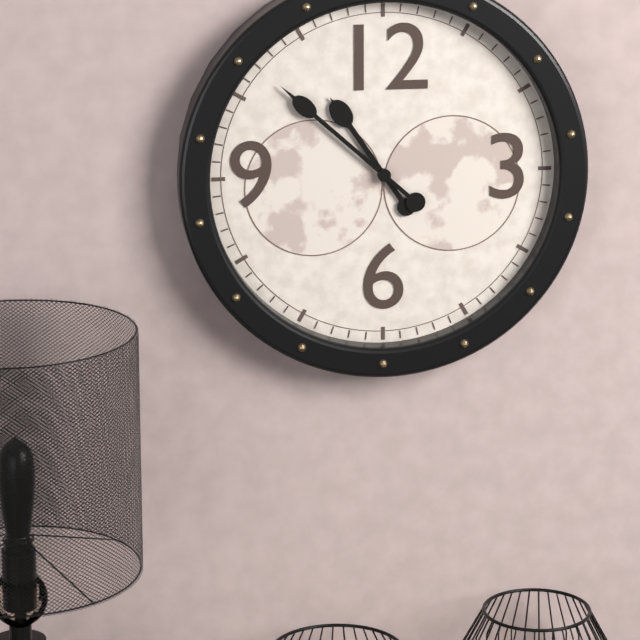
10:52
